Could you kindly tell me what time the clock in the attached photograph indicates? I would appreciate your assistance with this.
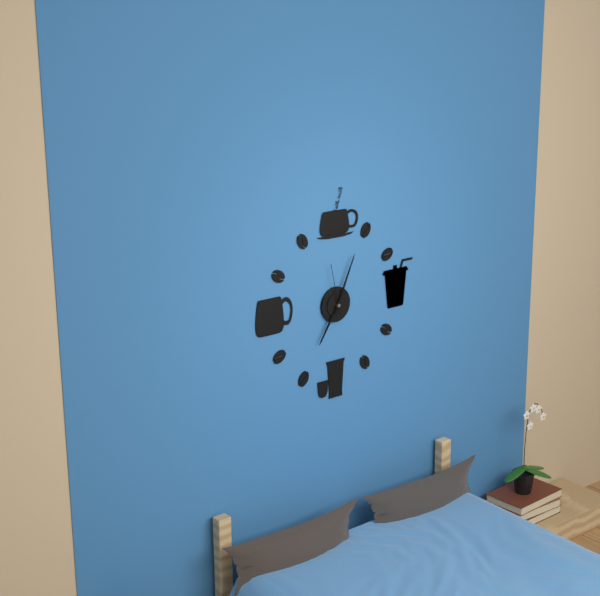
7:04:58
